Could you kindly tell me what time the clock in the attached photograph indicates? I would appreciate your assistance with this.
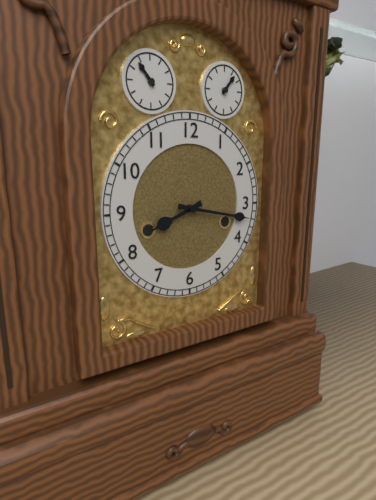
8:17
